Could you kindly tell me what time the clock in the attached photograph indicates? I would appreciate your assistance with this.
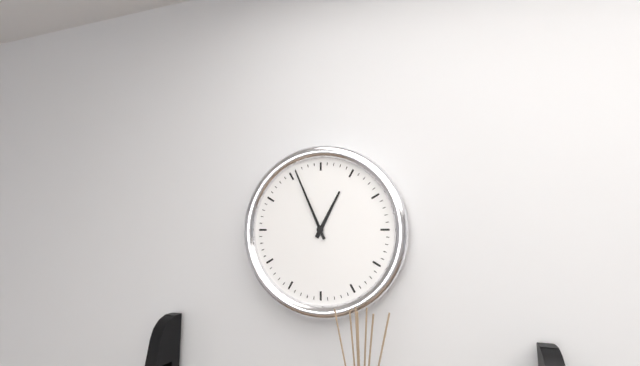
12:56
